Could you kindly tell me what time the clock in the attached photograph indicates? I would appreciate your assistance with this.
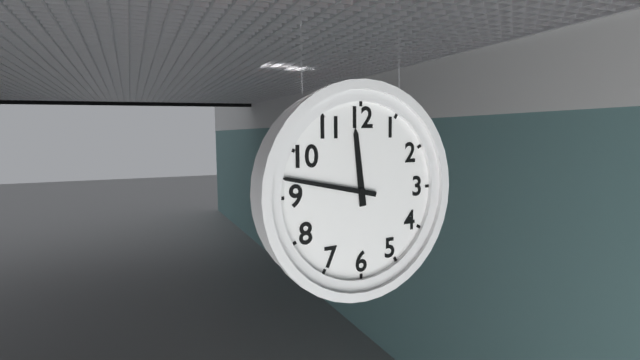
11:47
